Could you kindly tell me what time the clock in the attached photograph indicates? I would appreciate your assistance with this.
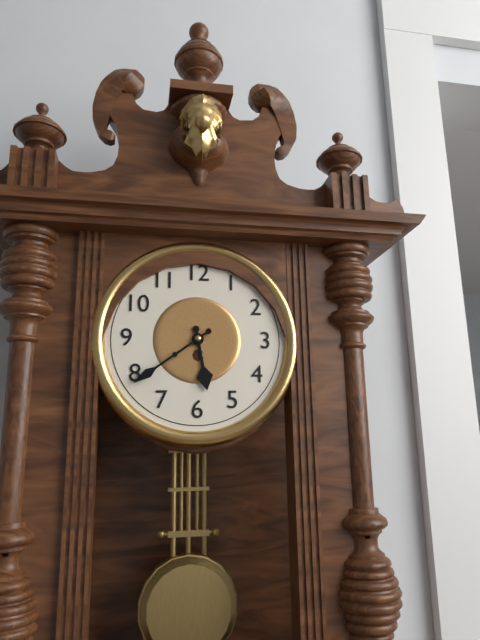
5:39
